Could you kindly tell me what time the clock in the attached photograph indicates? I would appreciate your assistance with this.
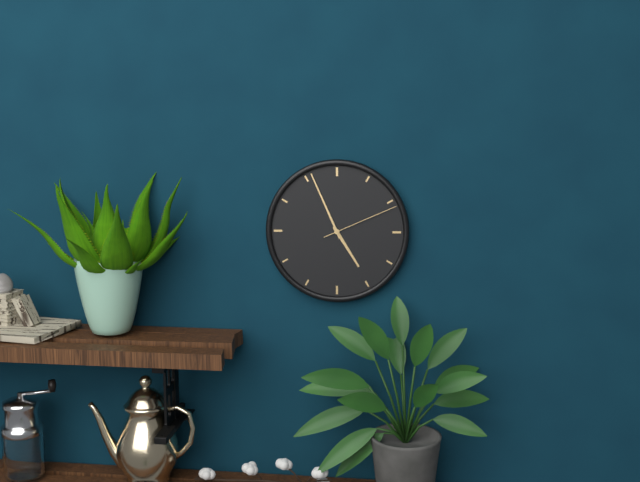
4:56:11
